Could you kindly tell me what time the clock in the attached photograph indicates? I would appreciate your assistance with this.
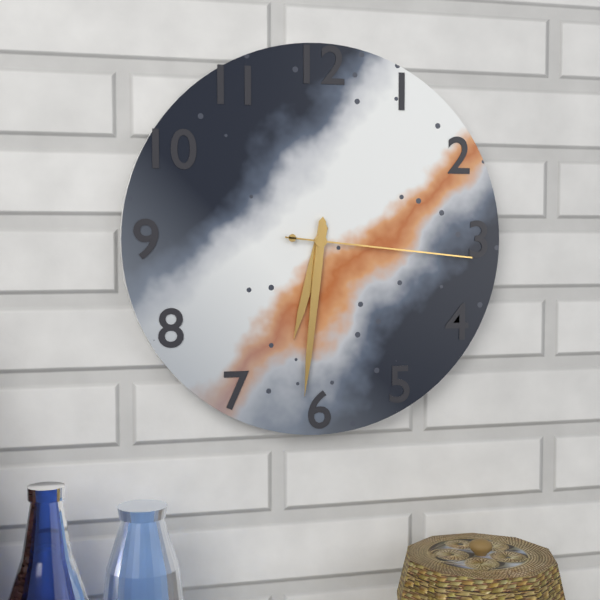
6:31:16
